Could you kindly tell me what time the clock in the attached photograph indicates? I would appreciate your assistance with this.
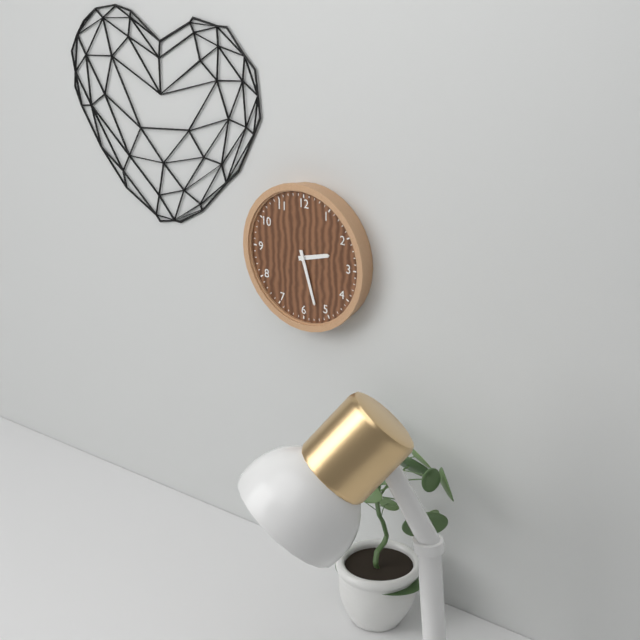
2:27
